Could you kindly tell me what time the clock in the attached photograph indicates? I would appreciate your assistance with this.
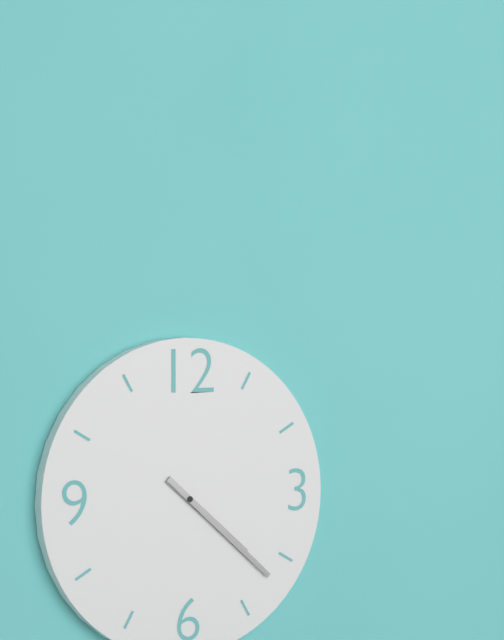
4:22
